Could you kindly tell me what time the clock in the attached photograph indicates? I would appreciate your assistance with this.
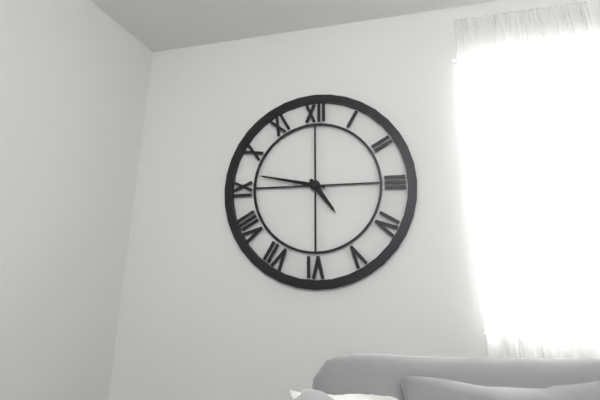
4:47
